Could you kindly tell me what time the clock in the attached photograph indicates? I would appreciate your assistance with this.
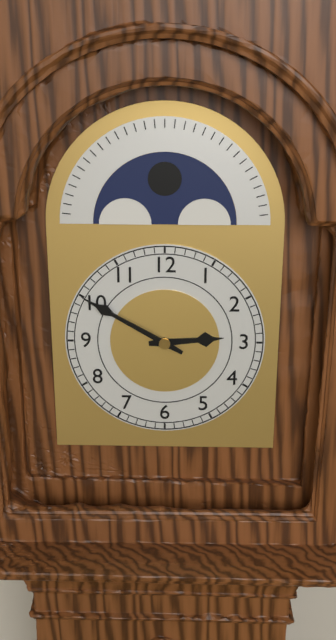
2:50
